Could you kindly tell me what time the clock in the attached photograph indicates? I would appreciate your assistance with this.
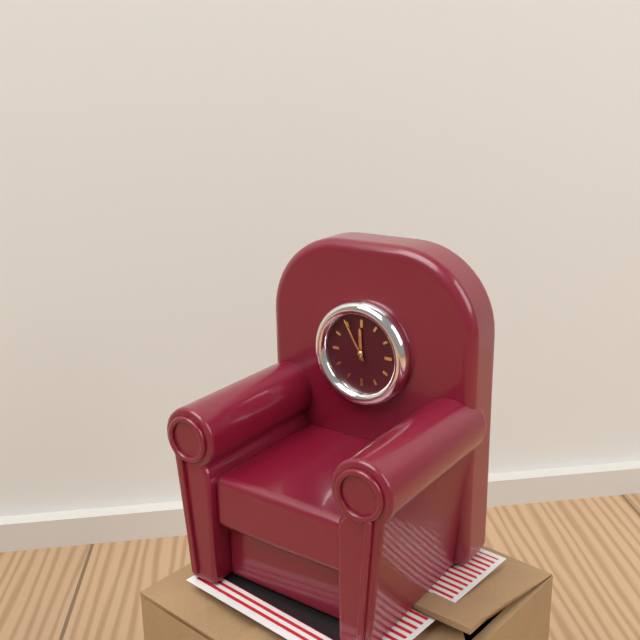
11:55
